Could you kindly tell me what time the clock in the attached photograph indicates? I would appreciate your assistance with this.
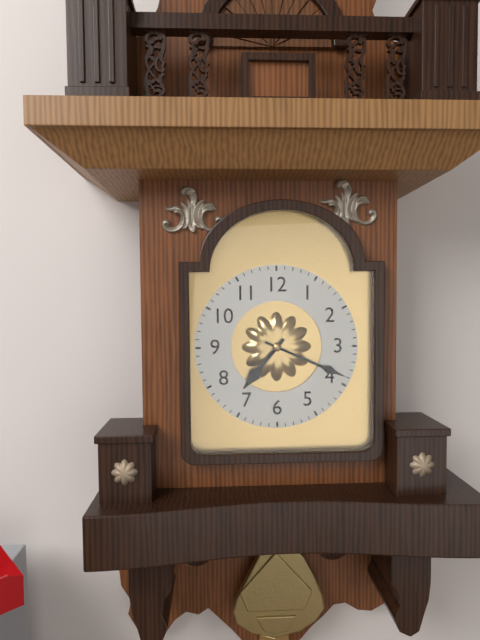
7:19
